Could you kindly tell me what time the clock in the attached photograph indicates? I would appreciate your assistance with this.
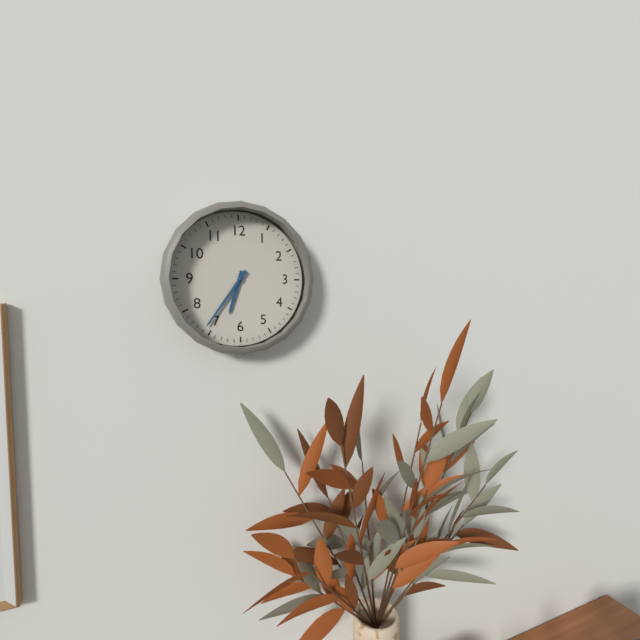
6:36
